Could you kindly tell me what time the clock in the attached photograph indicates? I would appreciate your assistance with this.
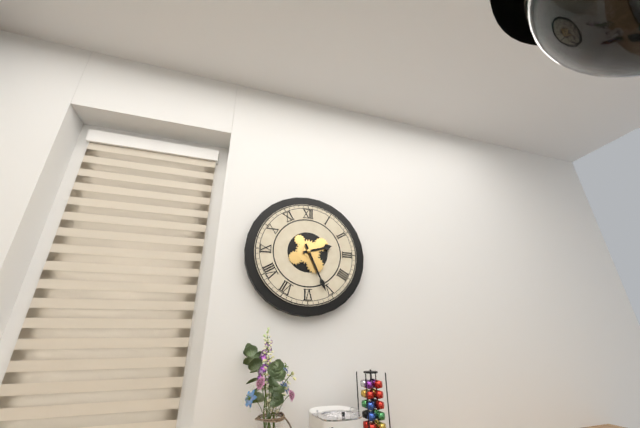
2:26
